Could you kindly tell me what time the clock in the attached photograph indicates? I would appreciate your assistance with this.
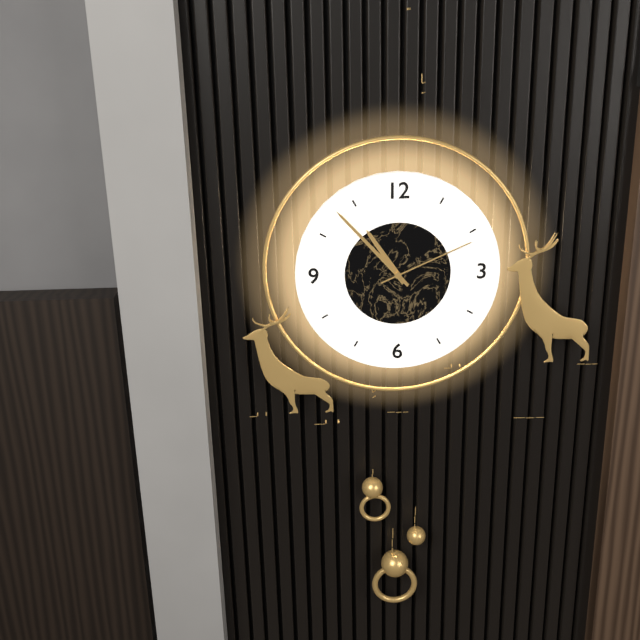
10:53:11
